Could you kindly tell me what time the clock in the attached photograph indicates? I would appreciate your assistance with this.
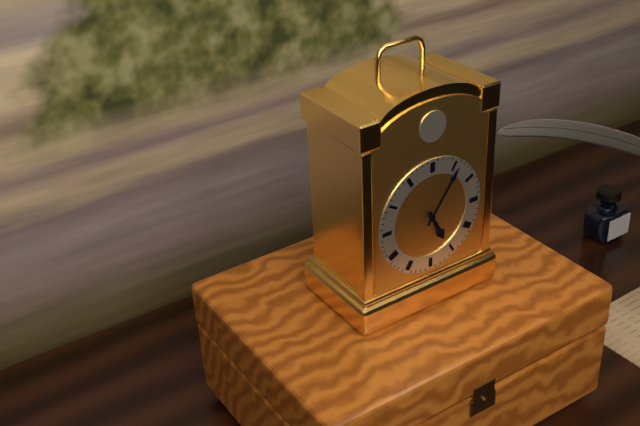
5:06
